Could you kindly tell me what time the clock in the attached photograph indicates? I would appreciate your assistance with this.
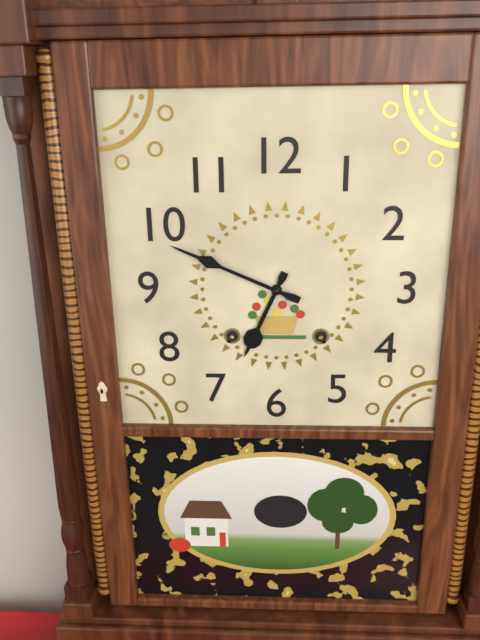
6:49
